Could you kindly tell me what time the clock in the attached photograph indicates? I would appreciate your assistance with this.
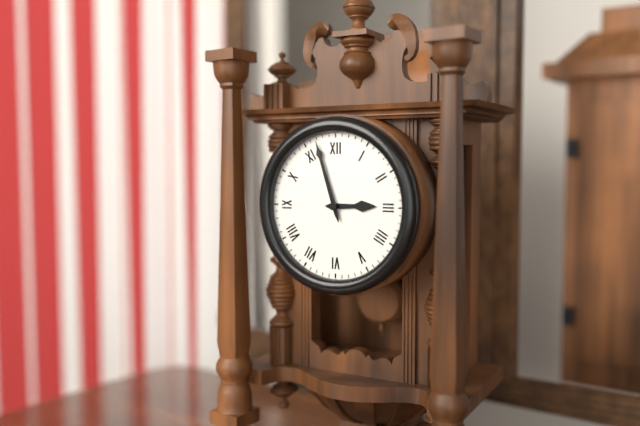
2:57
